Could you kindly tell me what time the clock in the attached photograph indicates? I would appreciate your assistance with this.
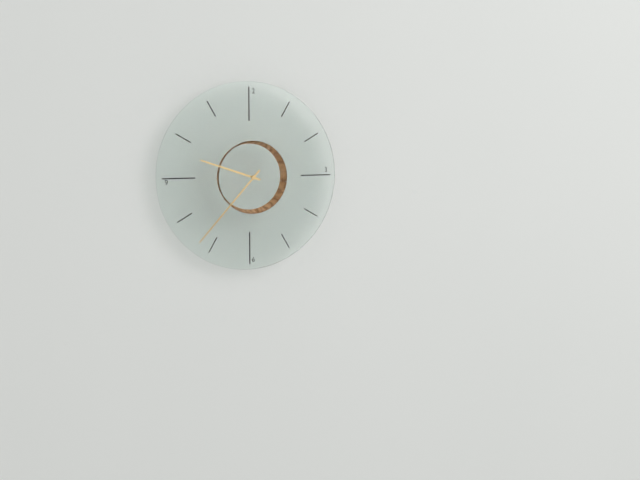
9:37
